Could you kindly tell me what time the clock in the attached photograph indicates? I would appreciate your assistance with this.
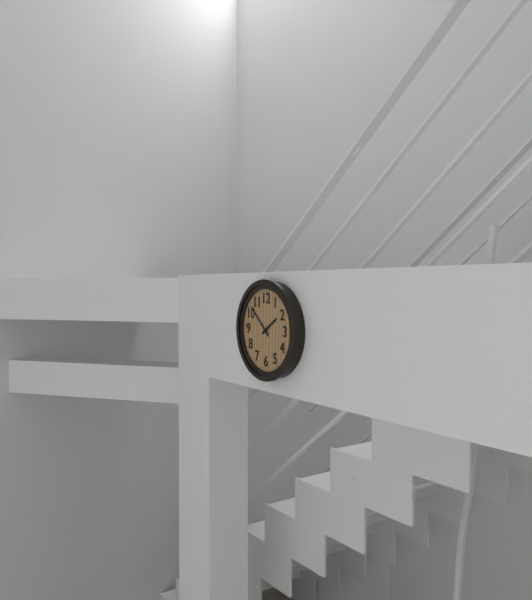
1:52
